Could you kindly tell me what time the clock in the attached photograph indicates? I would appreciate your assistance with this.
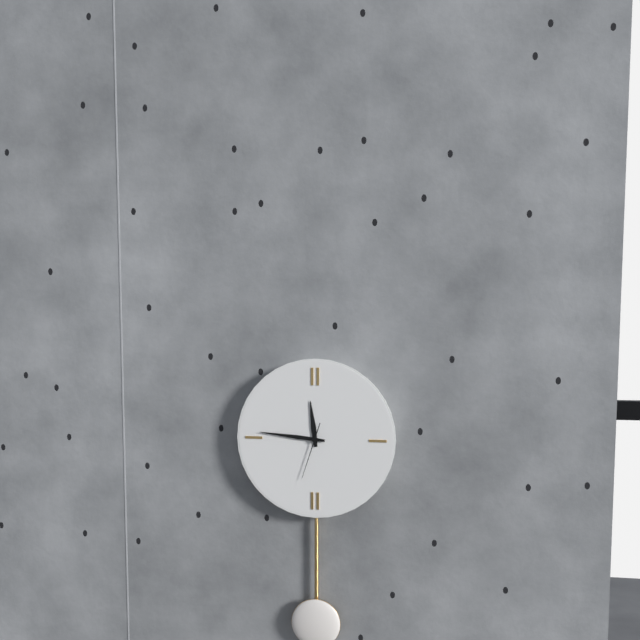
11:46:33
